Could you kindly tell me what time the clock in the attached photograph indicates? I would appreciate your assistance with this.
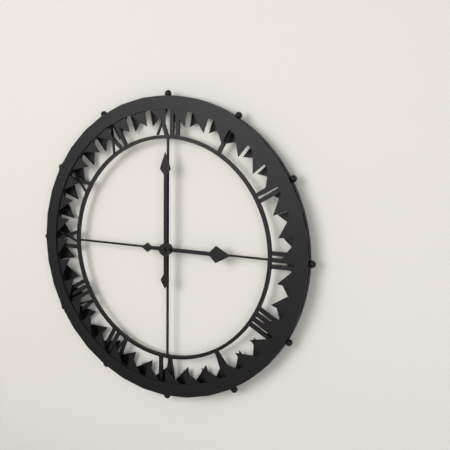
3:00
